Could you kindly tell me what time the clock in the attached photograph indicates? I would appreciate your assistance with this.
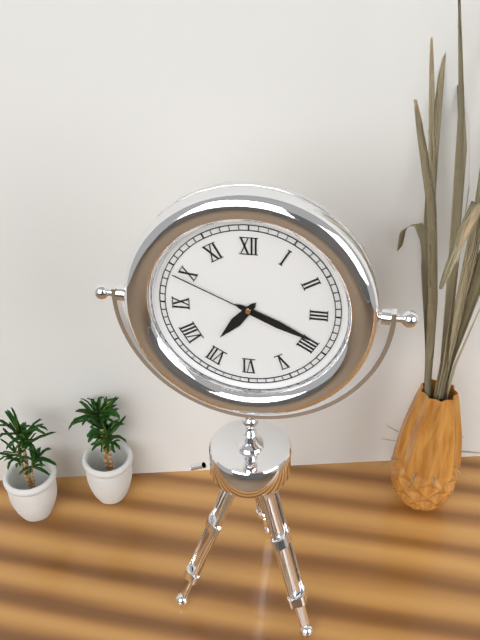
7:19:49
